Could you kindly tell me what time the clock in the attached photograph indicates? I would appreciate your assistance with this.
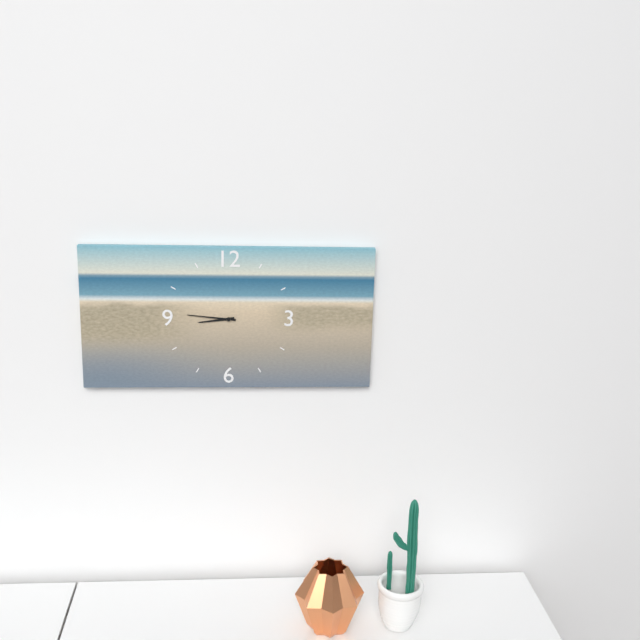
8:46
